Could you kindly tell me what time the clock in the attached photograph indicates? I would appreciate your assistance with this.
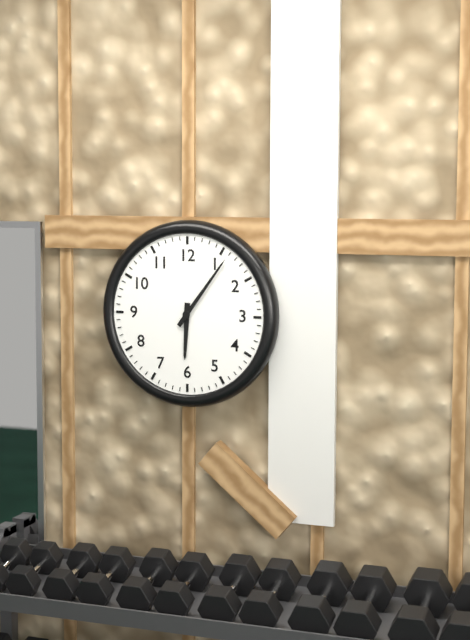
6:06
